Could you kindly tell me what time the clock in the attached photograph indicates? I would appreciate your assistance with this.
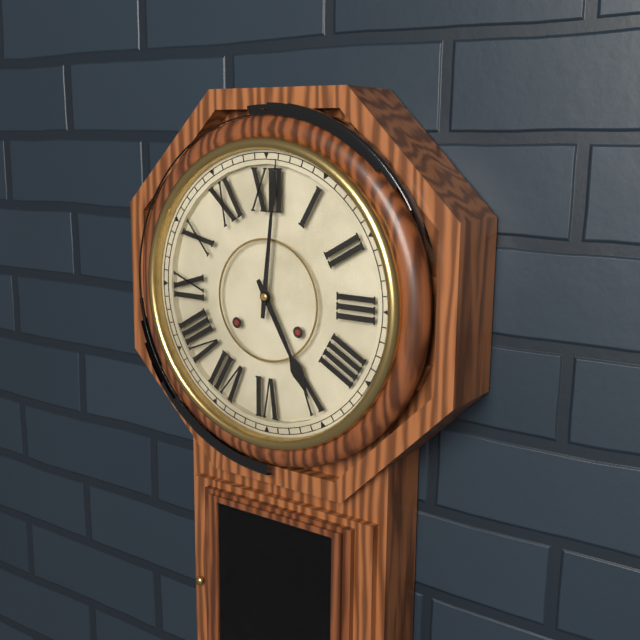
5:01
